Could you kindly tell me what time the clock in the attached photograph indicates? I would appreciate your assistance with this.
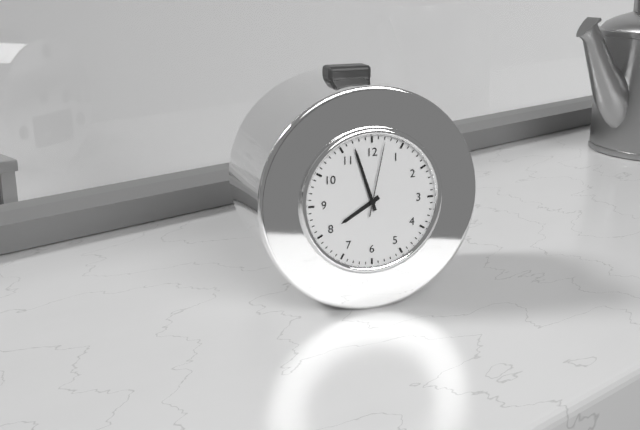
7:57:02
